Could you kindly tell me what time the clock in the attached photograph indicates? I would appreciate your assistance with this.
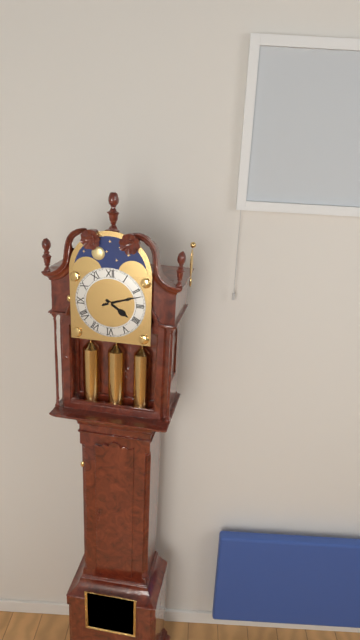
4:12
